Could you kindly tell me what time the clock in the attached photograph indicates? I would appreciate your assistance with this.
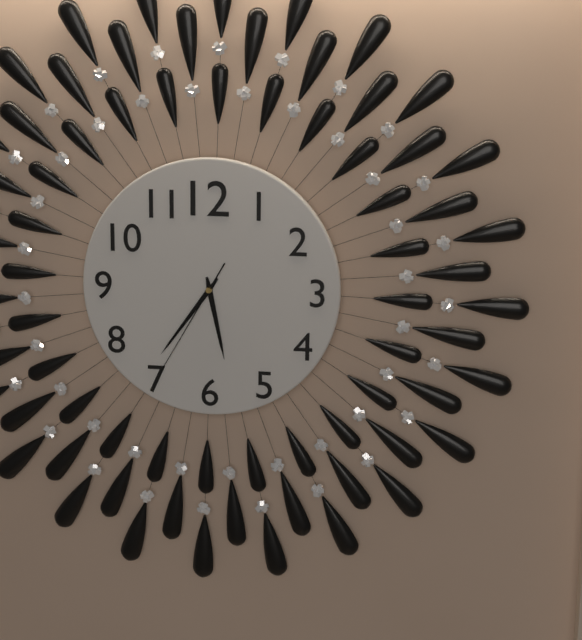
5:36:35
